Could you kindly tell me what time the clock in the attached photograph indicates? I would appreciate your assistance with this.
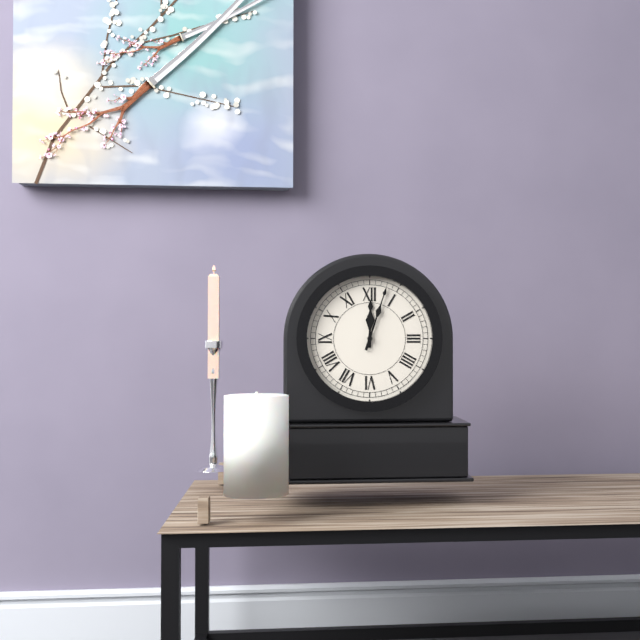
12:03
